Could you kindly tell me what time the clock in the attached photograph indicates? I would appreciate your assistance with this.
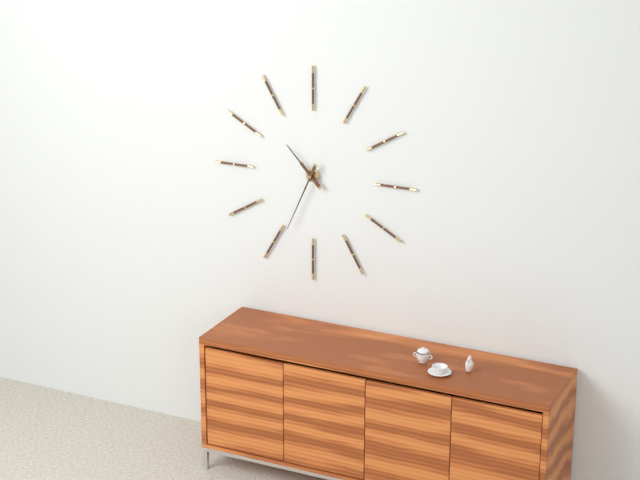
10:34
